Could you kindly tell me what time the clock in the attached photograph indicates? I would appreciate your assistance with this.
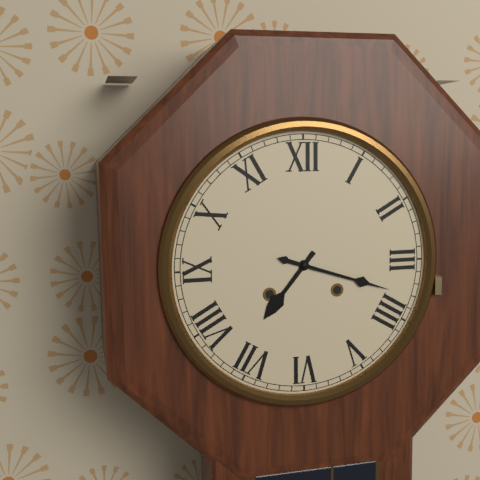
7:18
